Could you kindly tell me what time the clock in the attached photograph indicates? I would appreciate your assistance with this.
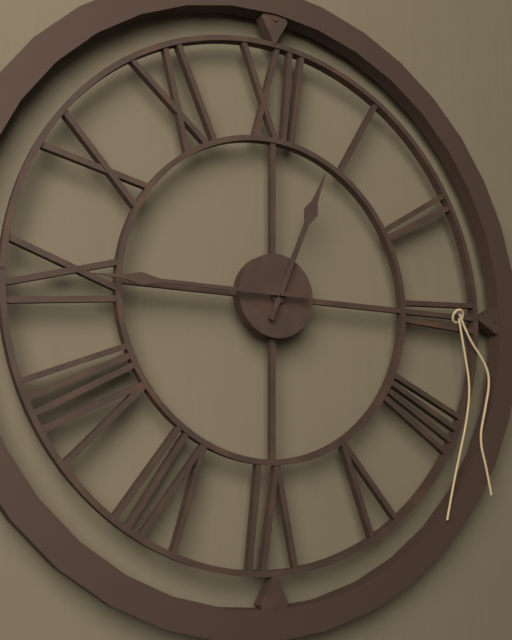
12:45
